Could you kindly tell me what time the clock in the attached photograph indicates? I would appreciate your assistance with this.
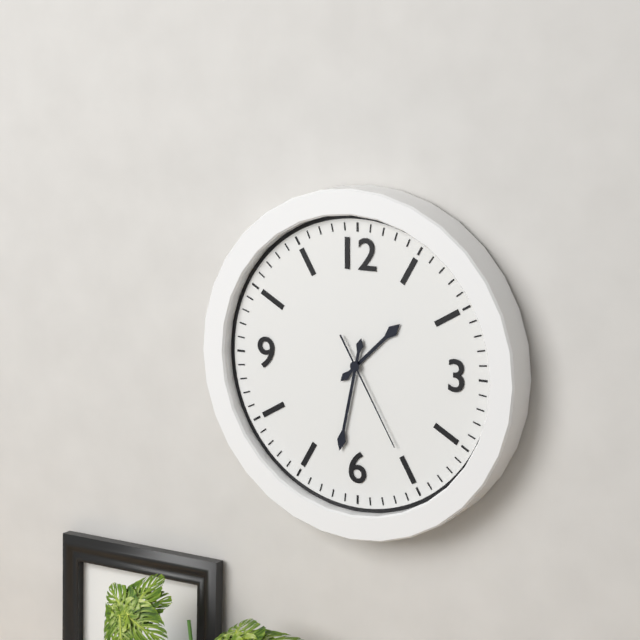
1:32:25
